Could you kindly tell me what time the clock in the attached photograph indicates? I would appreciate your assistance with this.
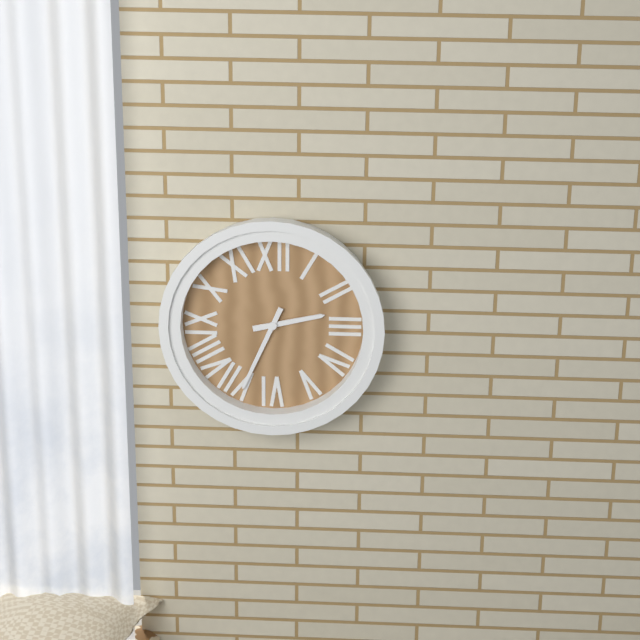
2:34
